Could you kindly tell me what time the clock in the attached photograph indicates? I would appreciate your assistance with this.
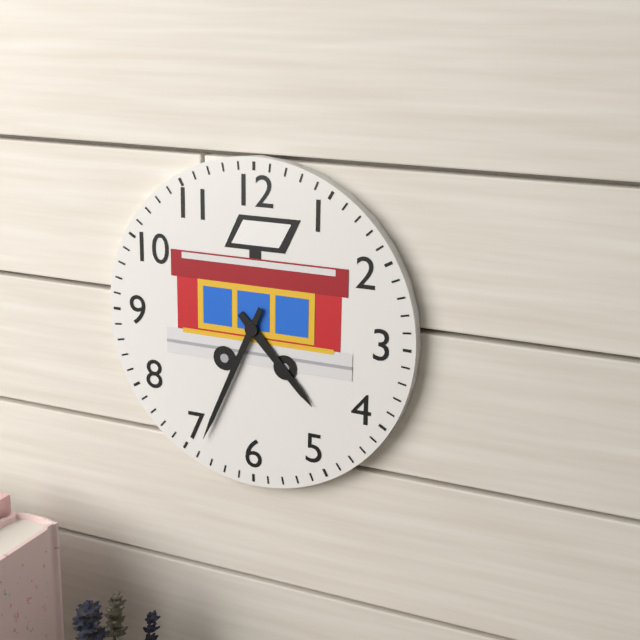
4:34
